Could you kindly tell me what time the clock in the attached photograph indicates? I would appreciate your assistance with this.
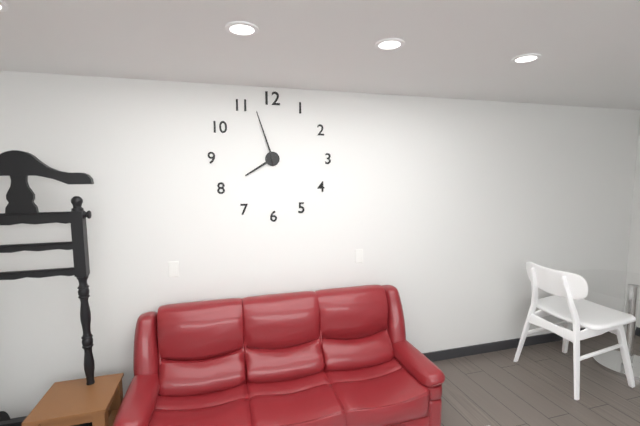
7:57
